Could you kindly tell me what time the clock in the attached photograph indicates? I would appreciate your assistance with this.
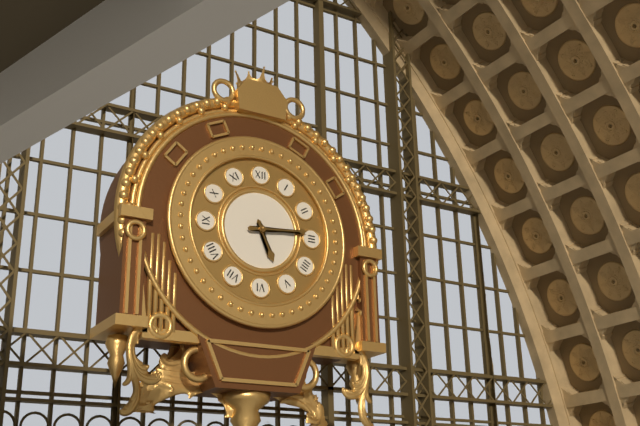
5:14
